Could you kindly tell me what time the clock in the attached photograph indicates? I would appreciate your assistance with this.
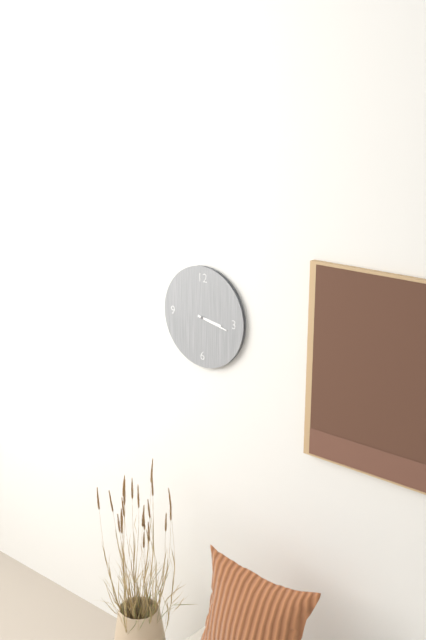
3:17
